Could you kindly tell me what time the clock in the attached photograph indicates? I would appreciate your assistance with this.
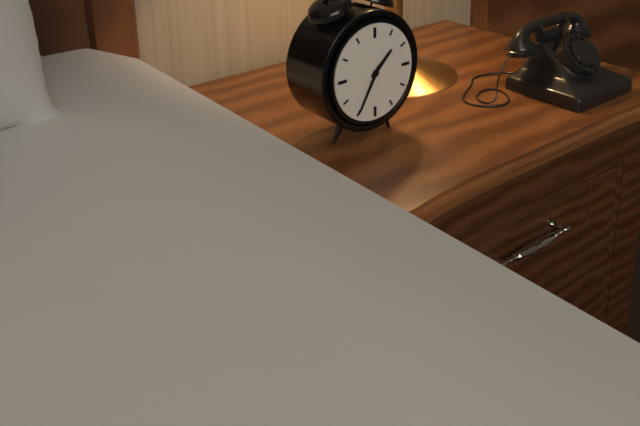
1:35
